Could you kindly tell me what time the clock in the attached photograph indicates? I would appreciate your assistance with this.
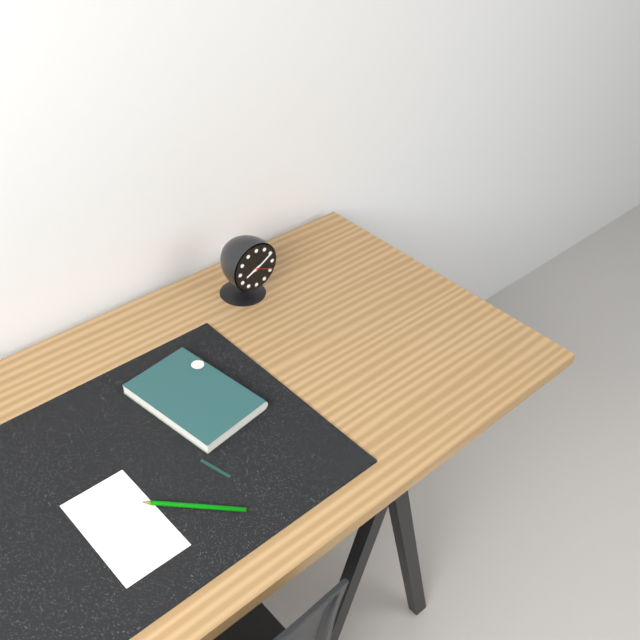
8:10
